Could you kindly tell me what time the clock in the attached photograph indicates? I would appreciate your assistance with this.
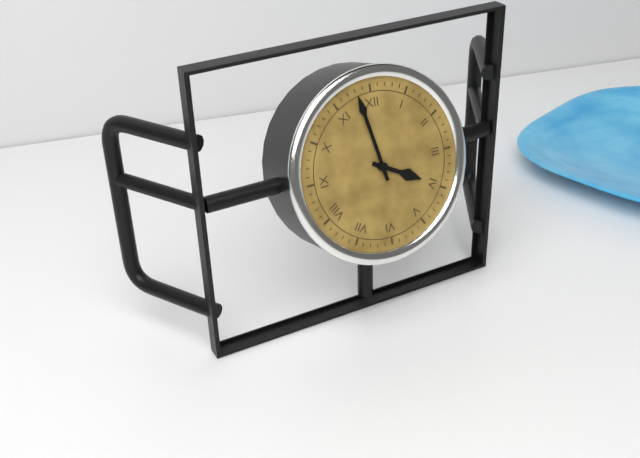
3:58
